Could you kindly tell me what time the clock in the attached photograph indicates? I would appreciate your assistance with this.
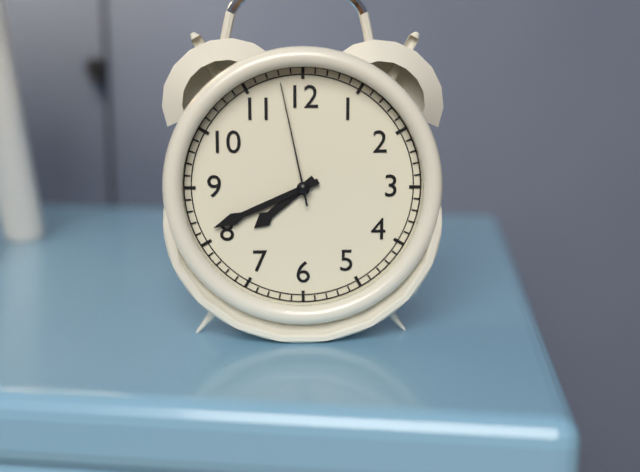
7:41:58
